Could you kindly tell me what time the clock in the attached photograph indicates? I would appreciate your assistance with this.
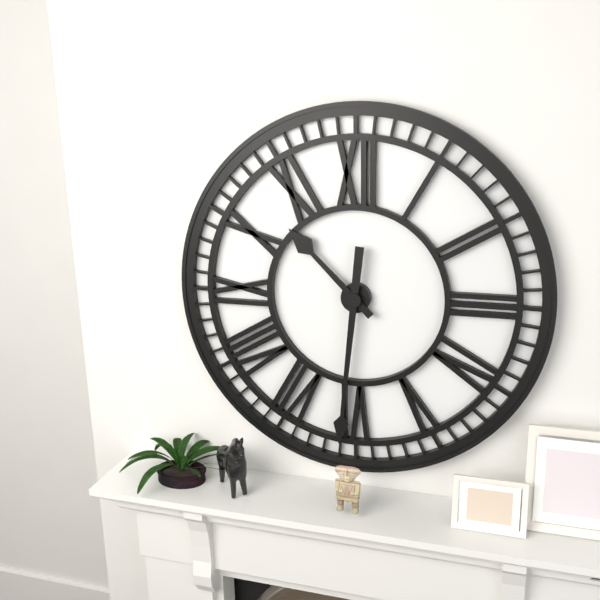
10:31
